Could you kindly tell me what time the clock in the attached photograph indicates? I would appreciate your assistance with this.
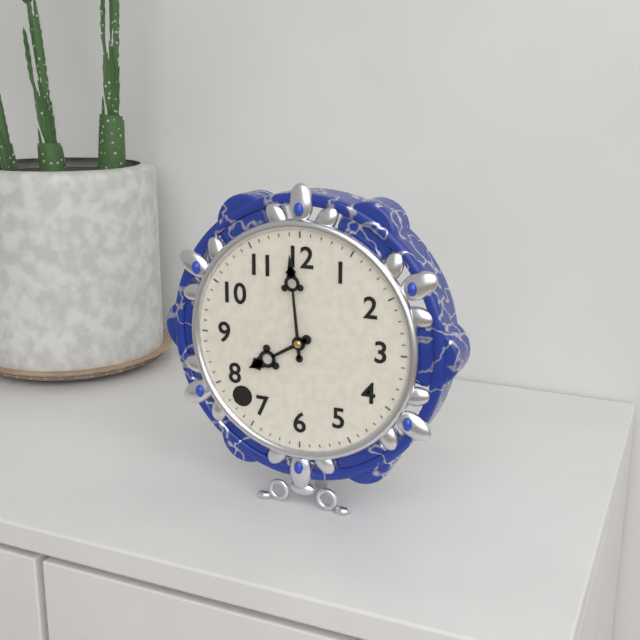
7:59
